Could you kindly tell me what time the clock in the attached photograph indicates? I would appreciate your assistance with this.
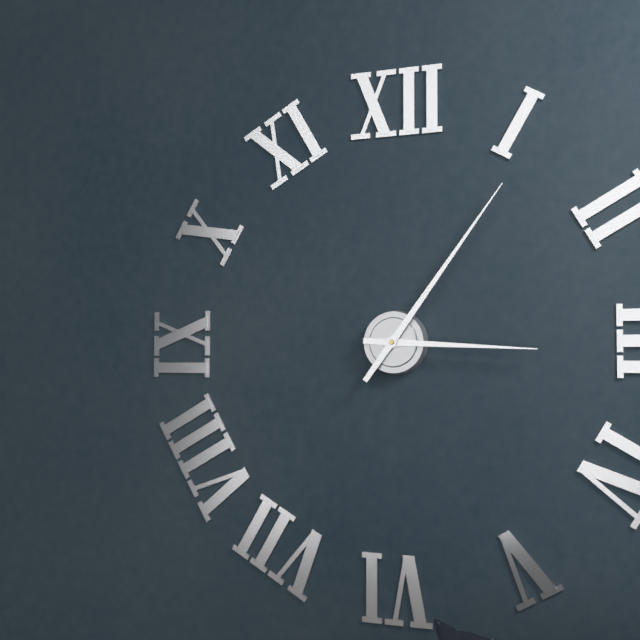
3:06
